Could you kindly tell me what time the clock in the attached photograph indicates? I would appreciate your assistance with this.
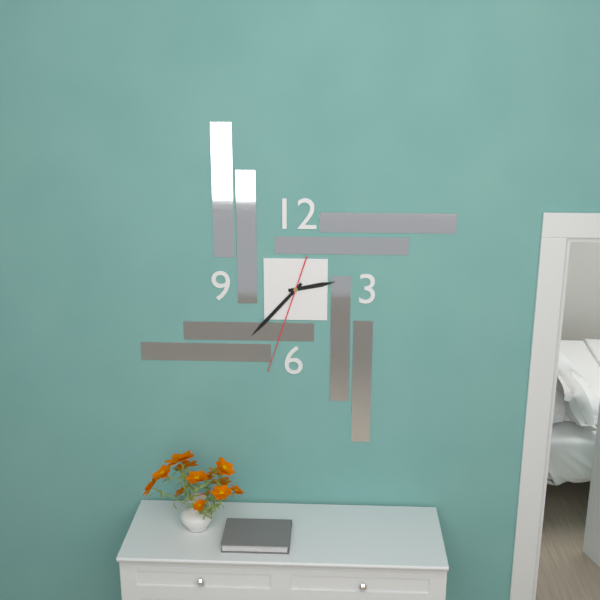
2:37:33
